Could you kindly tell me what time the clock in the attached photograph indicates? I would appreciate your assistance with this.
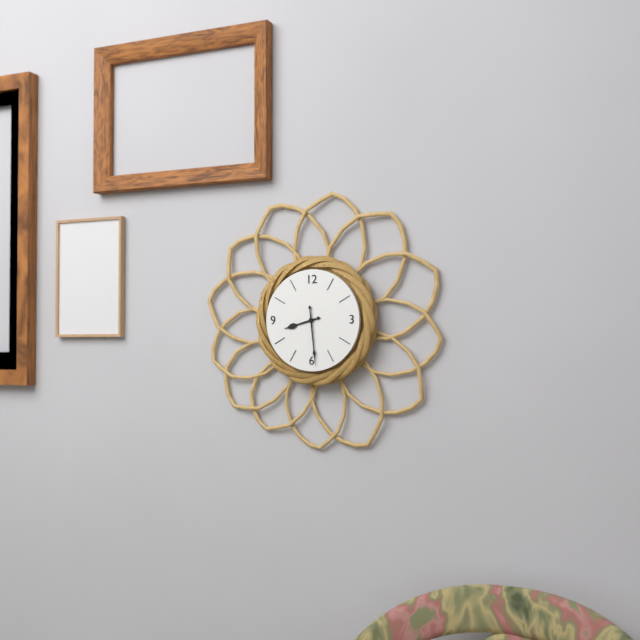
8:29
